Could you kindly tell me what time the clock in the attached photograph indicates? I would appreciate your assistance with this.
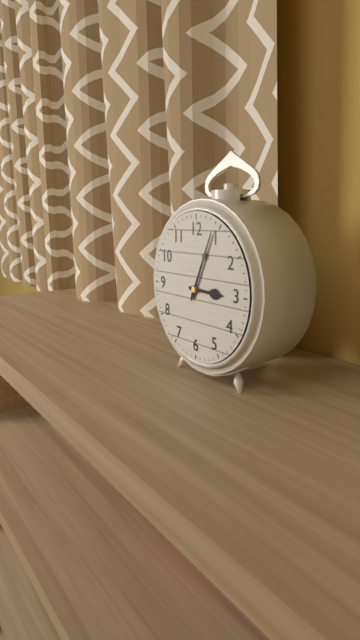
3:04
